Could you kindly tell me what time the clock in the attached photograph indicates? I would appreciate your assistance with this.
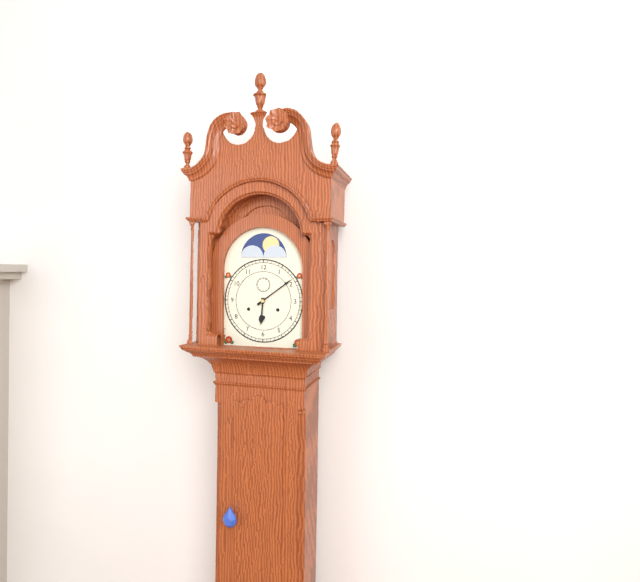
6:09
